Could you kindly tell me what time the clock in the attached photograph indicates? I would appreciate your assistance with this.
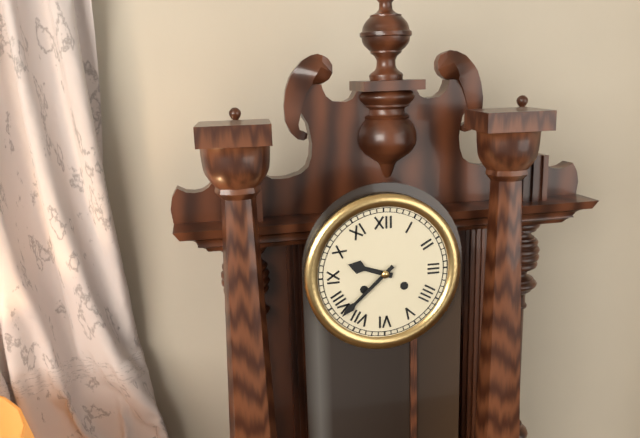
9:38
